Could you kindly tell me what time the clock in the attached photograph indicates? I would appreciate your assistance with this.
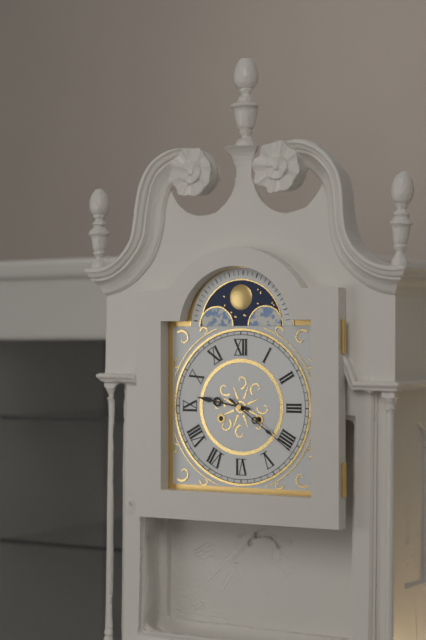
9:21
